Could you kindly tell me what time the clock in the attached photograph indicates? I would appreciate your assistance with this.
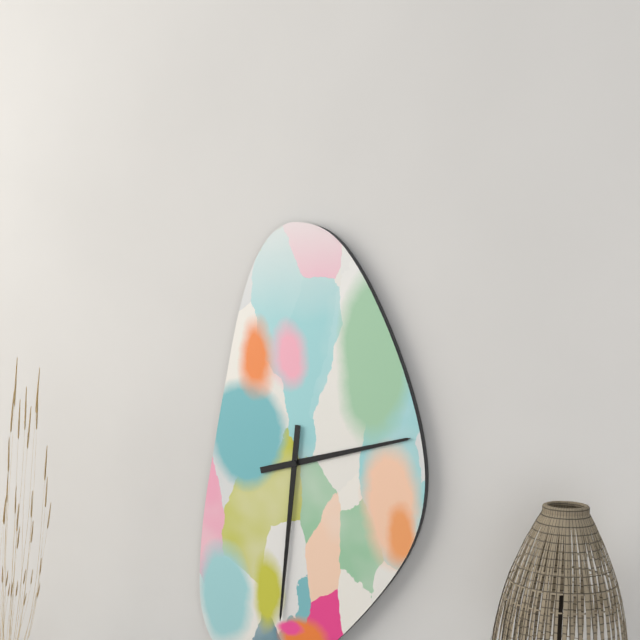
2:31
